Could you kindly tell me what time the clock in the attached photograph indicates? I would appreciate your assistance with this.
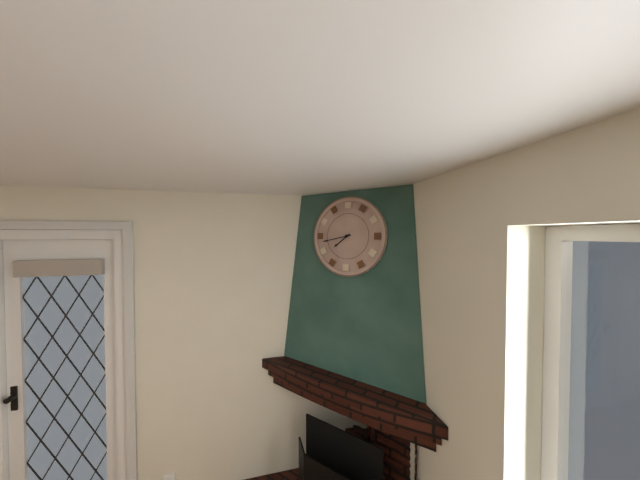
7:43
